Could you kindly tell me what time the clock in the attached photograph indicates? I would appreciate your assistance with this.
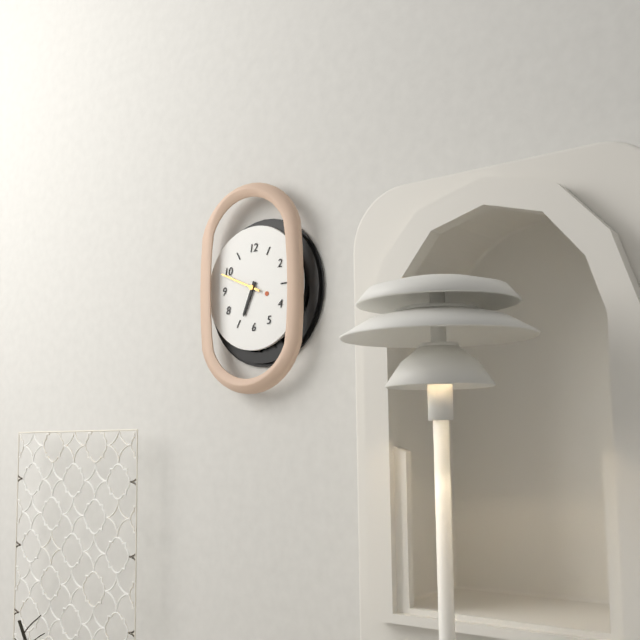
6:49
